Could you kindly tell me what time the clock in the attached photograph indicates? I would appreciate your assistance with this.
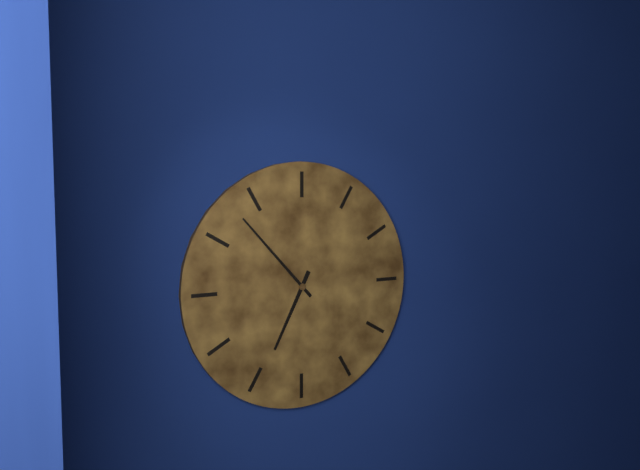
6:53
